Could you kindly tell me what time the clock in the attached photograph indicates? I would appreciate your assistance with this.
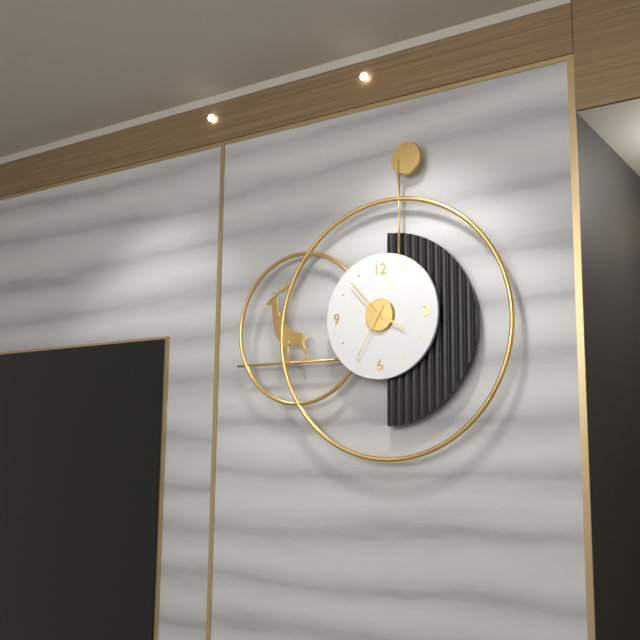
3:53:35
